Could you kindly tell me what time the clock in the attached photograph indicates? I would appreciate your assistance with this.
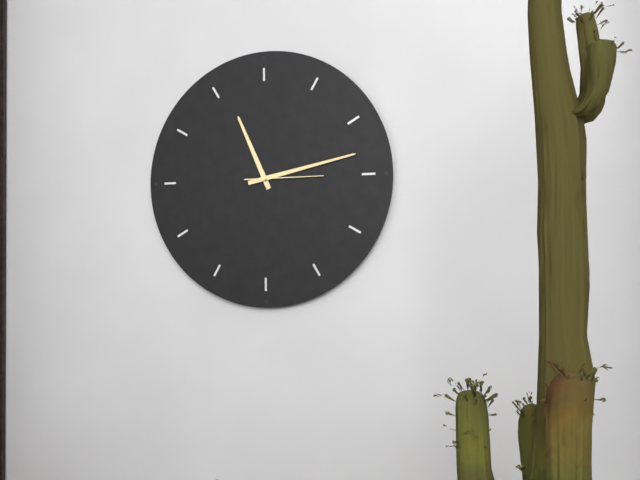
11:13:15
